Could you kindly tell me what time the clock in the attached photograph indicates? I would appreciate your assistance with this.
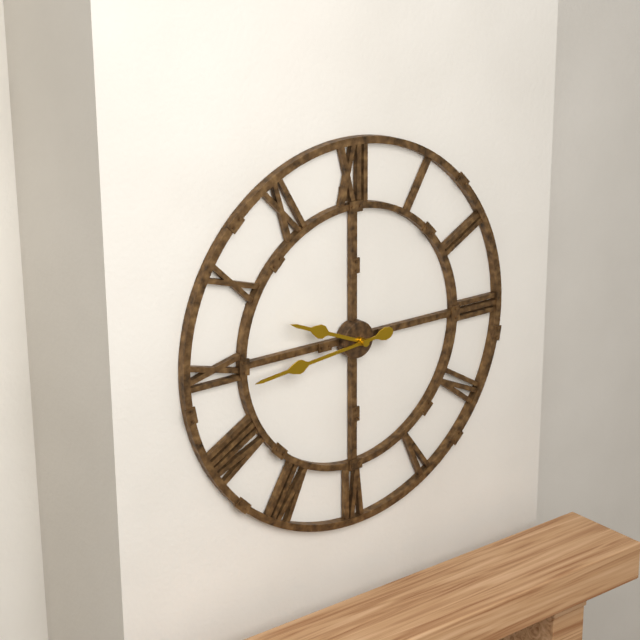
9:44
